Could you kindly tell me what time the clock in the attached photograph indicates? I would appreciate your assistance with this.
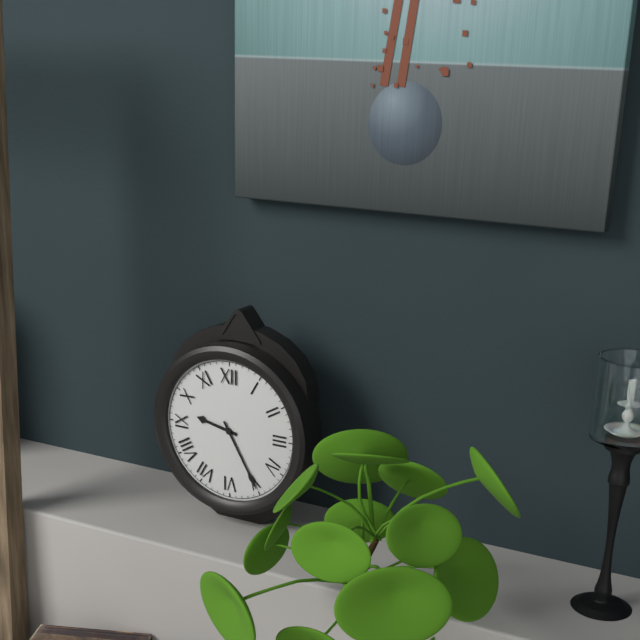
9:25
